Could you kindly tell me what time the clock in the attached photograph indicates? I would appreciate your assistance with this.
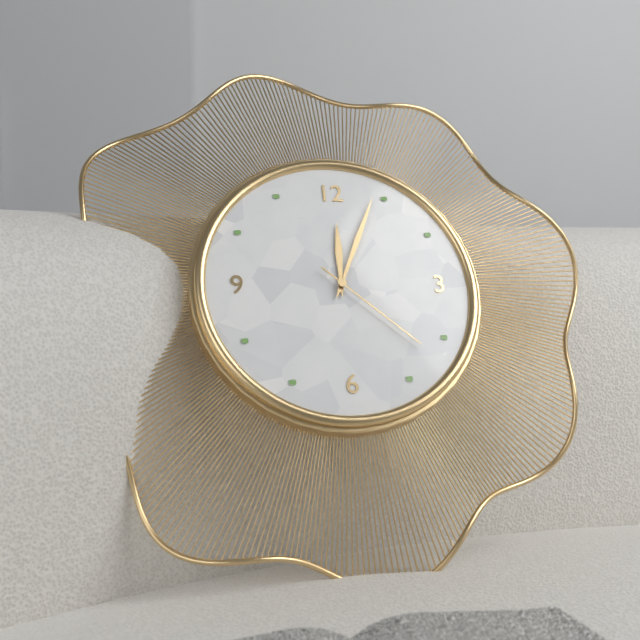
12:04:22
